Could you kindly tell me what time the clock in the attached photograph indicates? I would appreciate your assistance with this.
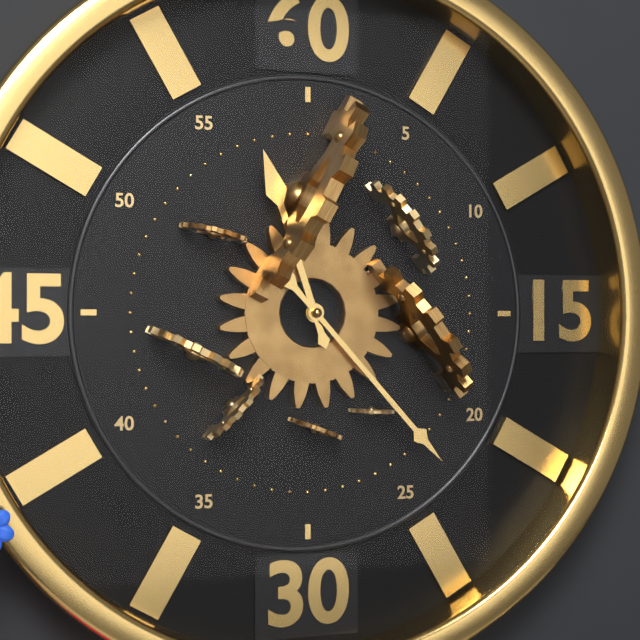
11:23
